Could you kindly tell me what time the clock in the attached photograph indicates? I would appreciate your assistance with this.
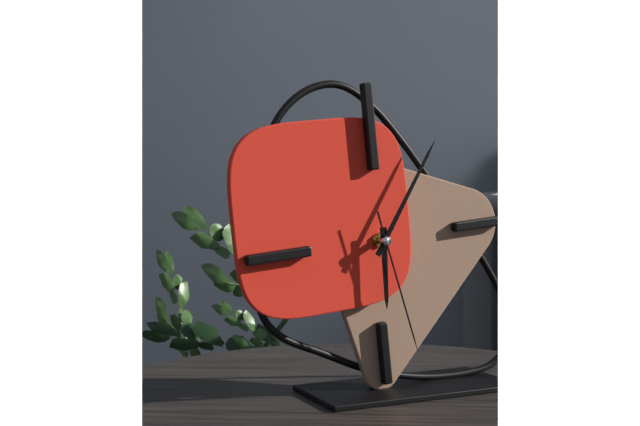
6:06:28
